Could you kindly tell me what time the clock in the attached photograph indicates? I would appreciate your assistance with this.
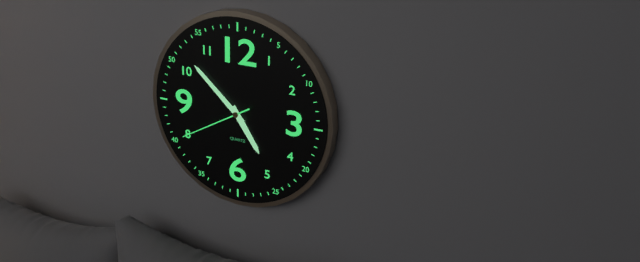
4:52:40
